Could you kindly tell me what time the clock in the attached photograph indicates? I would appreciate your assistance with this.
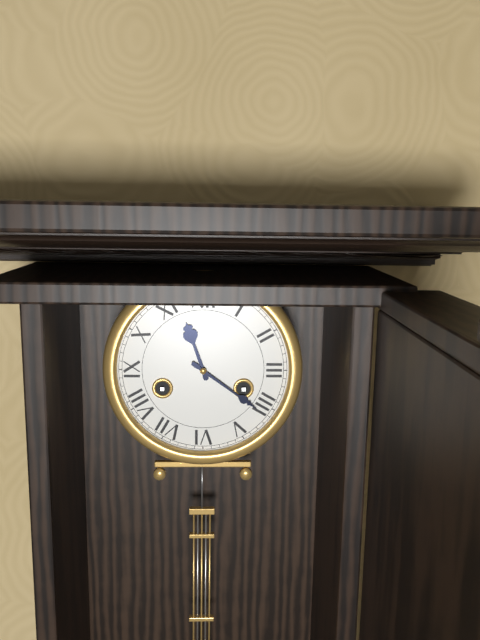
11:21
